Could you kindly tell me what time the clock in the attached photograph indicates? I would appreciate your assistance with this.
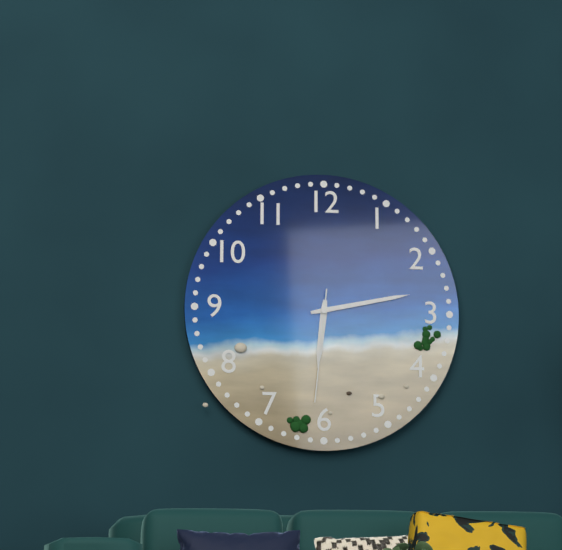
6:13:31
